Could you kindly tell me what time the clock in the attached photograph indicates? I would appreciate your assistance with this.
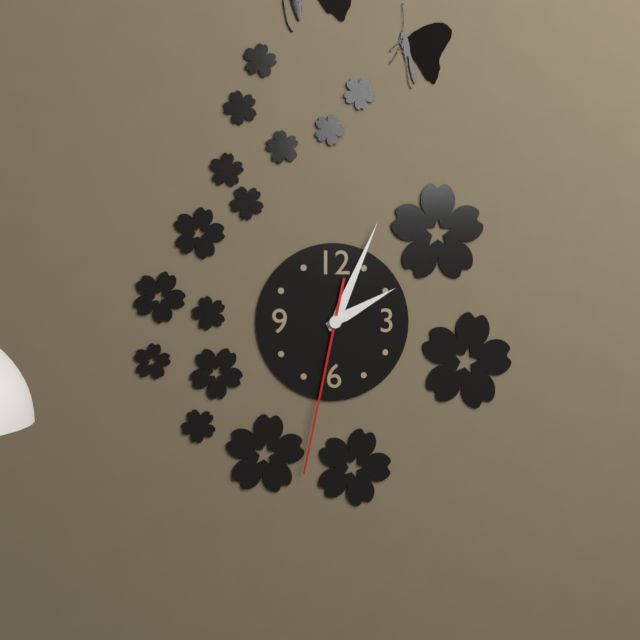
2:04:32
